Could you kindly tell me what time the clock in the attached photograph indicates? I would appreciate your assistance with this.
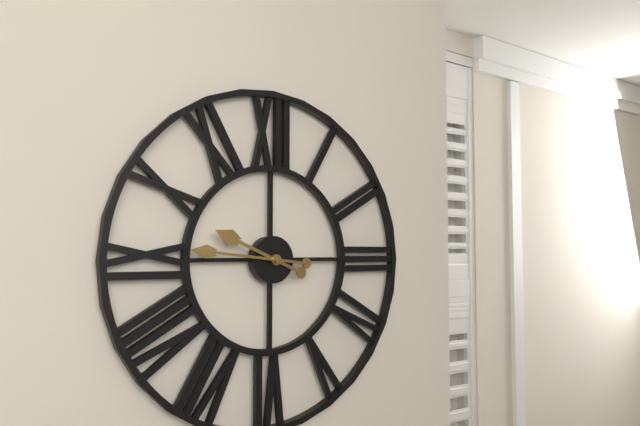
9:46
